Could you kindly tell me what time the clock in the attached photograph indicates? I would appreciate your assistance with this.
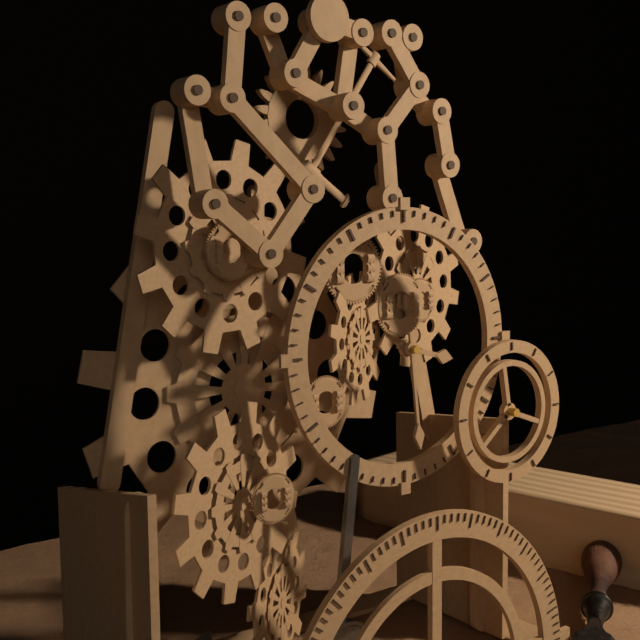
3:29
